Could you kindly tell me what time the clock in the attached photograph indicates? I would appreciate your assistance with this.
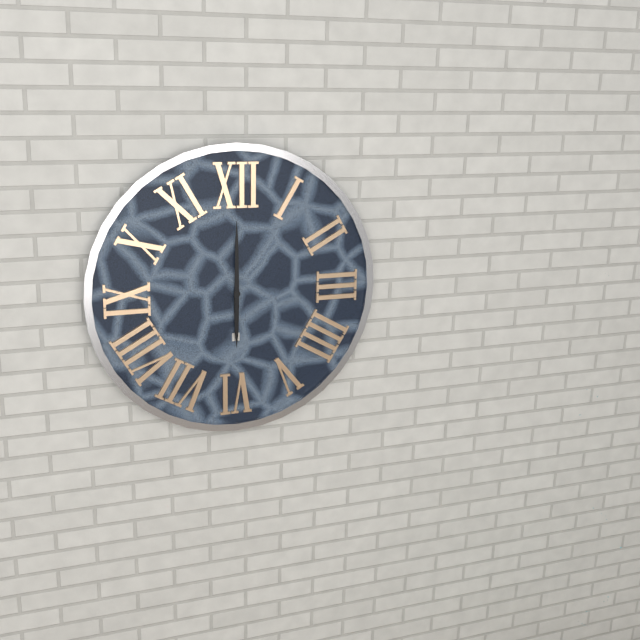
6:00
